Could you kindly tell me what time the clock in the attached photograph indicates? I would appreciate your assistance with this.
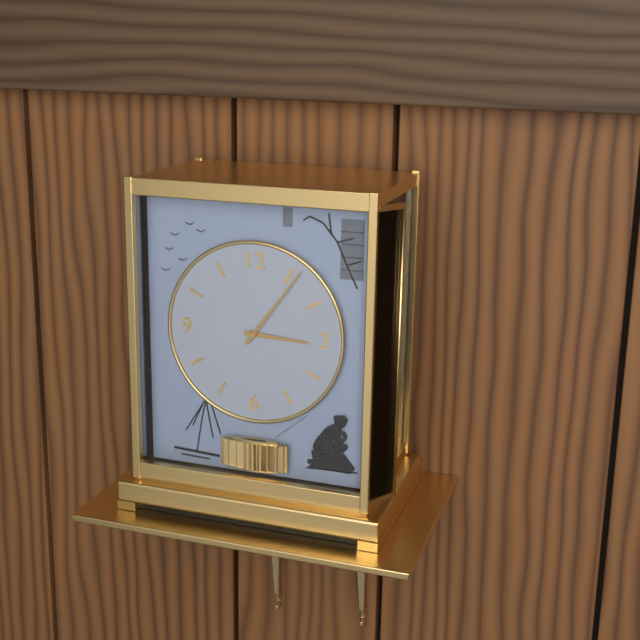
3:06
